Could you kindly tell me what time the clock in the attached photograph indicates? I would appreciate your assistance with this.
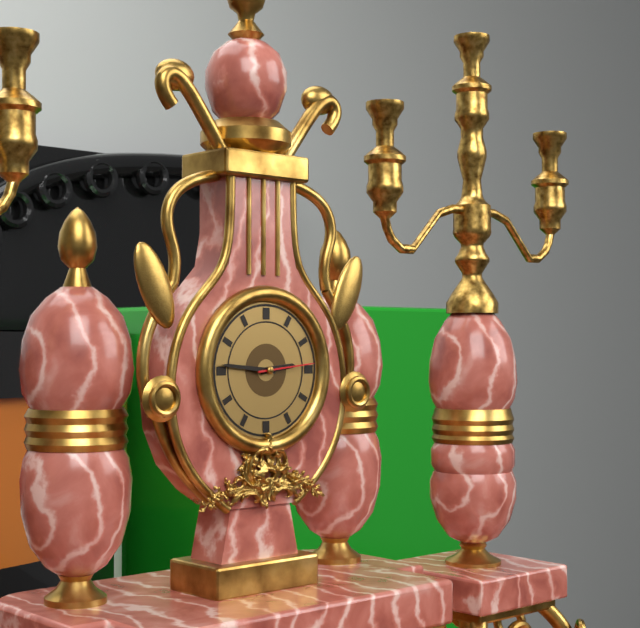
2:46:14
